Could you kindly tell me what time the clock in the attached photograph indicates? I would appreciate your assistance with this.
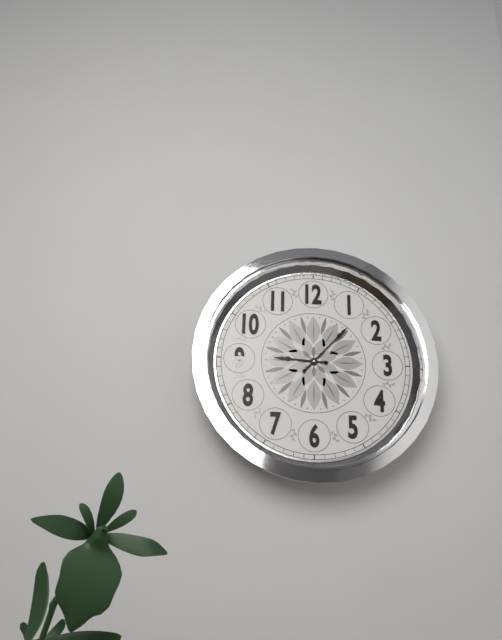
9:07
